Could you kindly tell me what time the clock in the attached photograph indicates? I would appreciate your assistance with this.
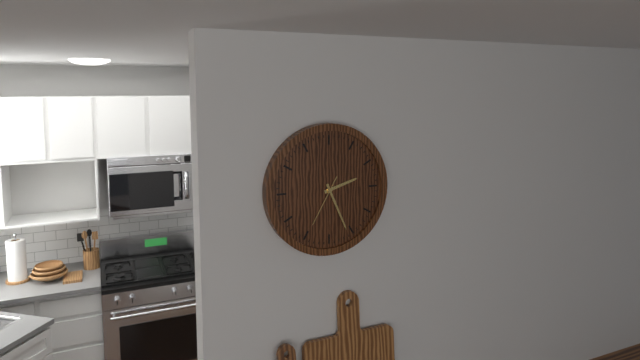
2:26
